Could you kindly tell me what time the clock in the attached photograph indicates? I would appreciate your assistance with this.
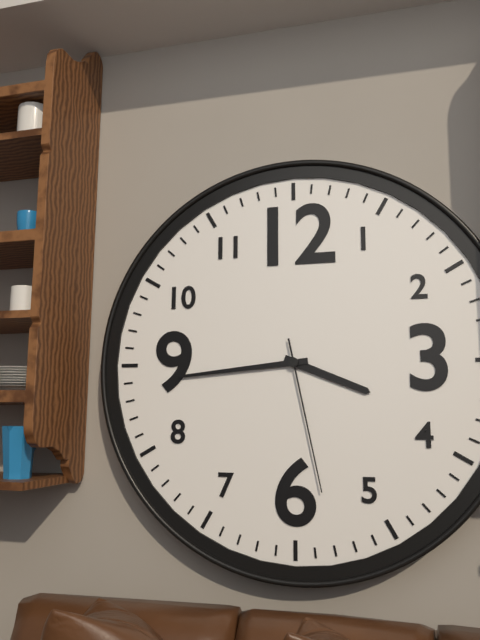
3:44:28
